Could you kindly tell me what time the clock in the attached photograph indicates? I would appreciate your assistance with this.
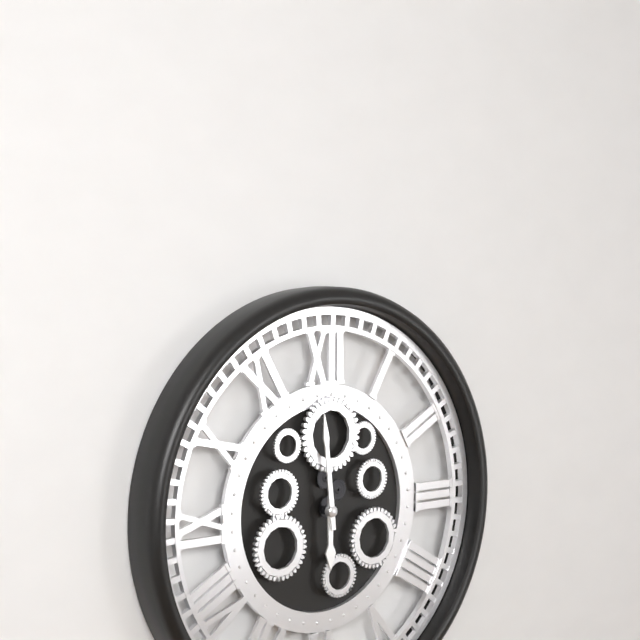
5:59
